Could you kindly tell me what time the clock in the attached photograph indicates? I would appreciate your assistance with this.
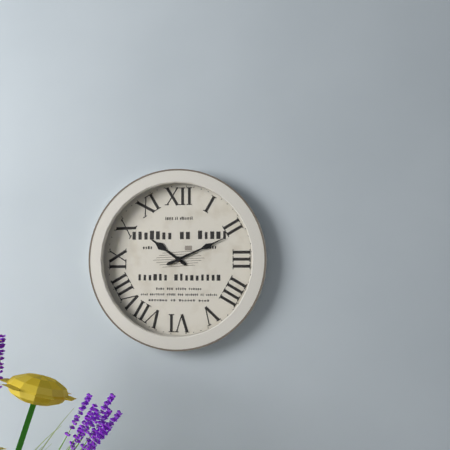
10:11
